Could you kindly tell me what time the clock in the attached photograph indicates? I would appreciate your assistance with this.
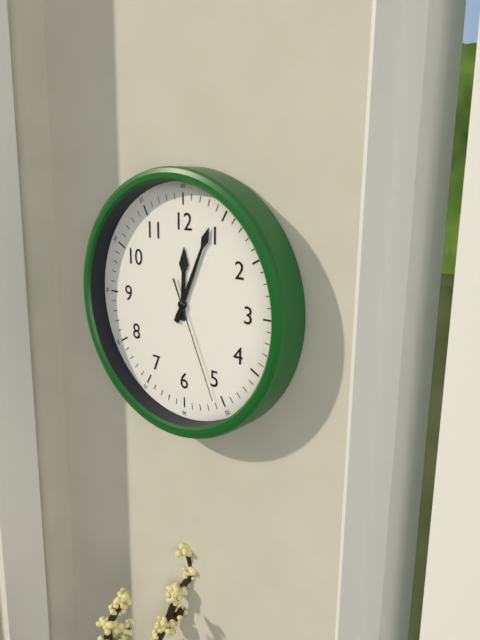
12:04:26
